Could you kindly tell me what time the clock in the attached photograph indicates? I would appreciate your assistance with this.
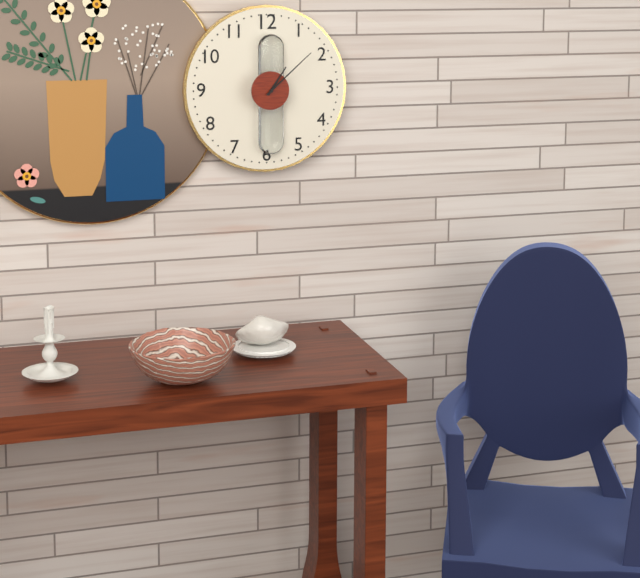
1:08
